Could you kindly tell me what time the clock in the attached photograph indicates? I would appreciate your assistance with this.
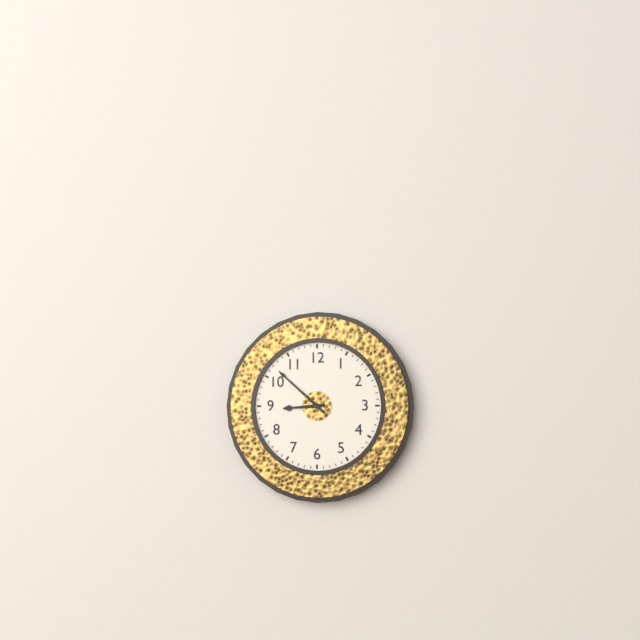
8:52
